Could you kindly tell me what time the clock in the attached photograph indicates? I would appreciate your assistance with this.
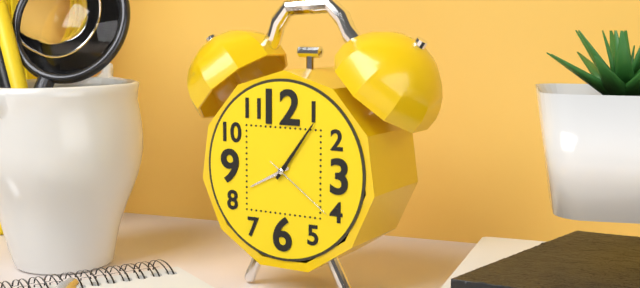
8:06:21
